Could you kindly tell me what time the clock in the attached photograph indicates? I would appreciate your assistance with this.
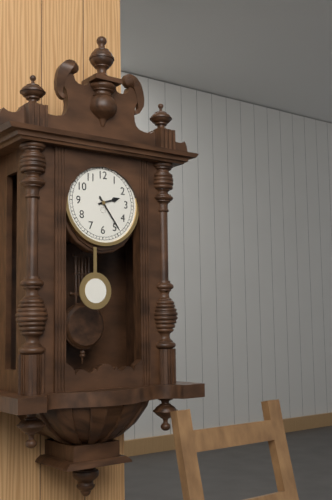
2:24
